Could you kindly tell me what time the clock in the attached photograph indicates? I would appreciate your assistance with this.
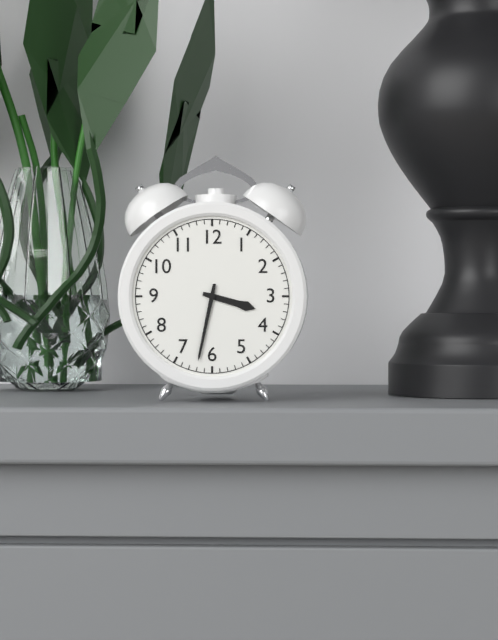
3:32
